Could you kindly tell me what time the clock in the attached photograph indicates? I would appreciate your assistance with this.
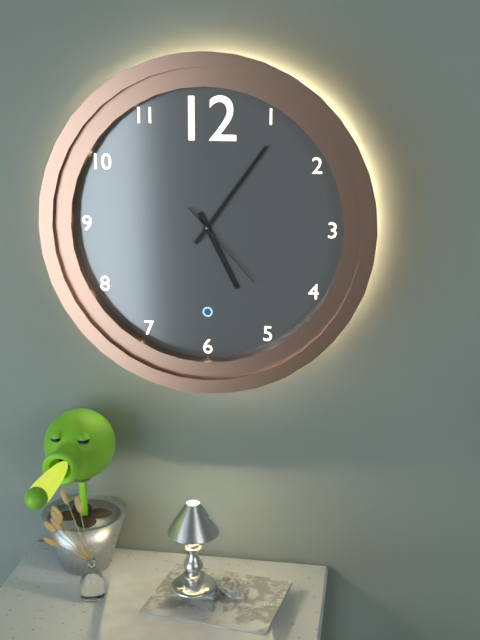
5:06:23
